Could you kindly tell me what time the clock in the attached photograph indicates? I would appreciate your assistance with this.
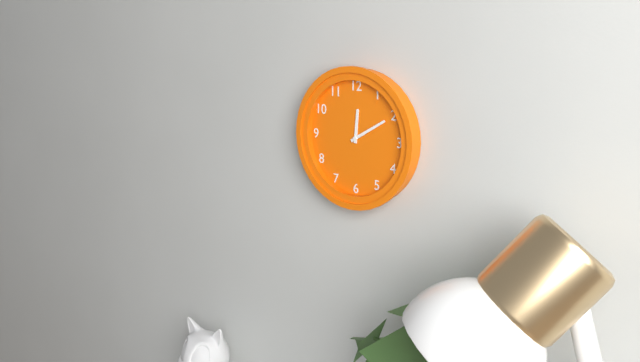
12:10
